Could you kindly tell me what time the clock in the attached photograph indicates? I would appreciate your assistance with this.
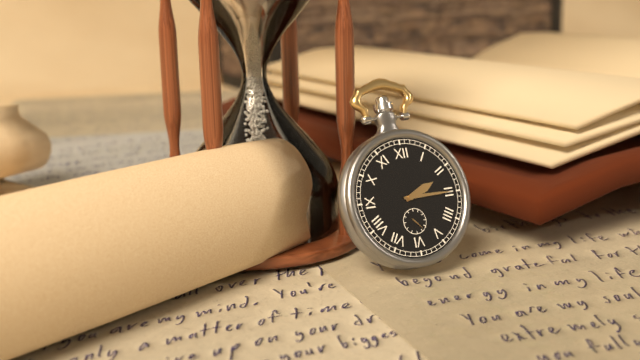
2:15
